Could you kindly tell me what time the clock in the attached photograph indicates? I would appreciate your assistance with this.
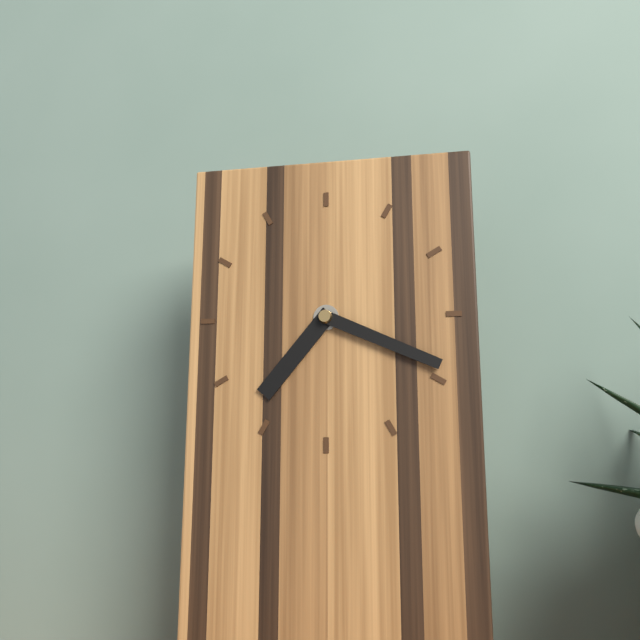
7:19
